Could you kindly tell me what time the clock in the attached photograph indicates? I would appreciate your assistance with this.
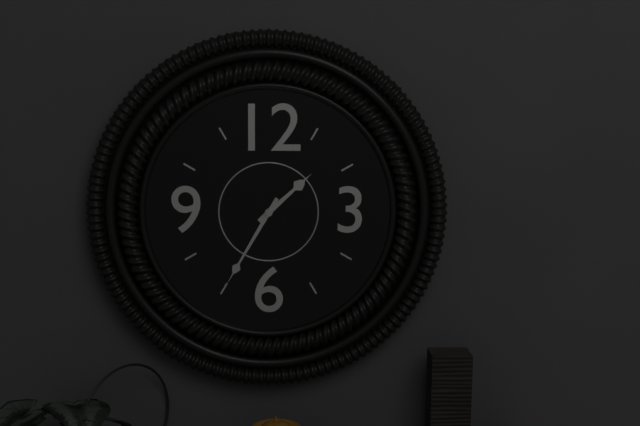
1:35
